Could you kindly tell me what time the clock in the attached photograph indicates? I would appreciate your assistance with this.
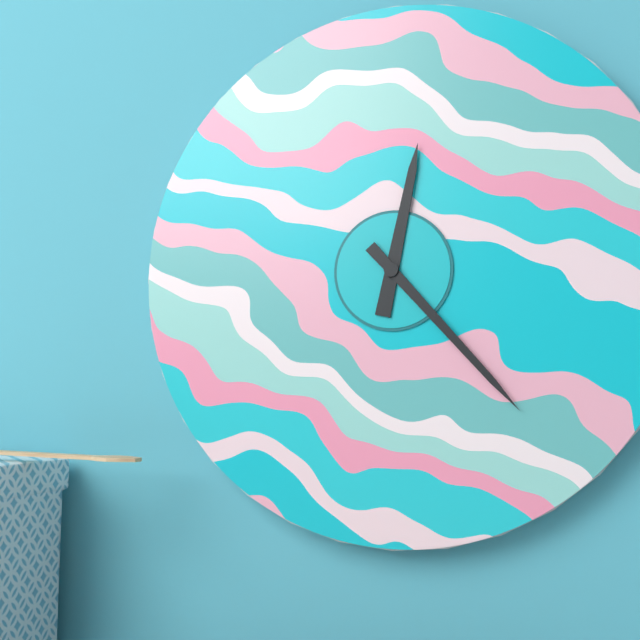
12:23
